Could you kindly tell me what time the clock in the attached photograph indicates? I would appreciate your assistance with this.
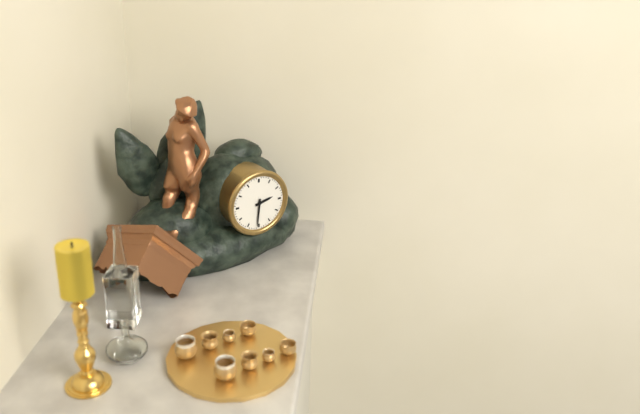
2:31
